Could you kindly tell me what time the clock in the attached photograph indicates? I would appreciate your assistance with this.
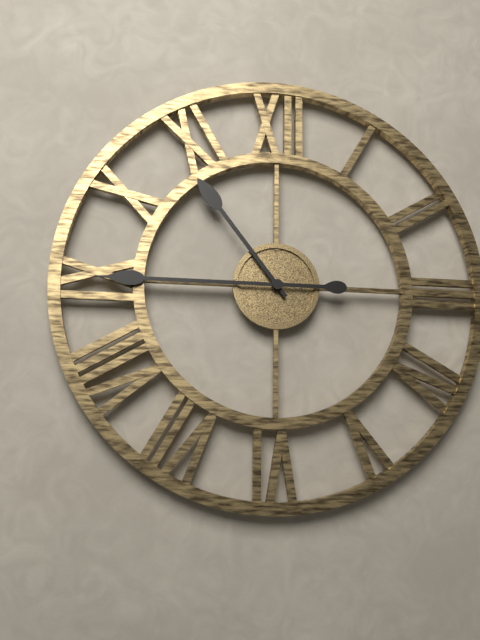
10:45
